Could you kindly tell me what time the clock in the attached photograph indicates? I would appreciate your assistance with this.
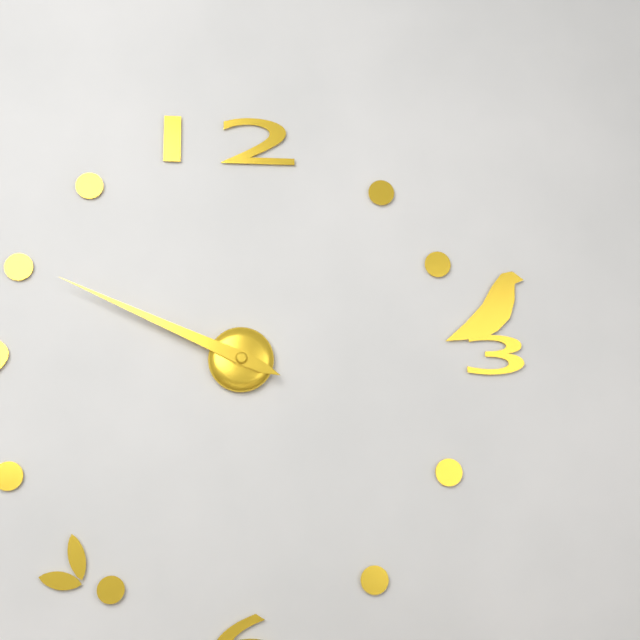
9:49
